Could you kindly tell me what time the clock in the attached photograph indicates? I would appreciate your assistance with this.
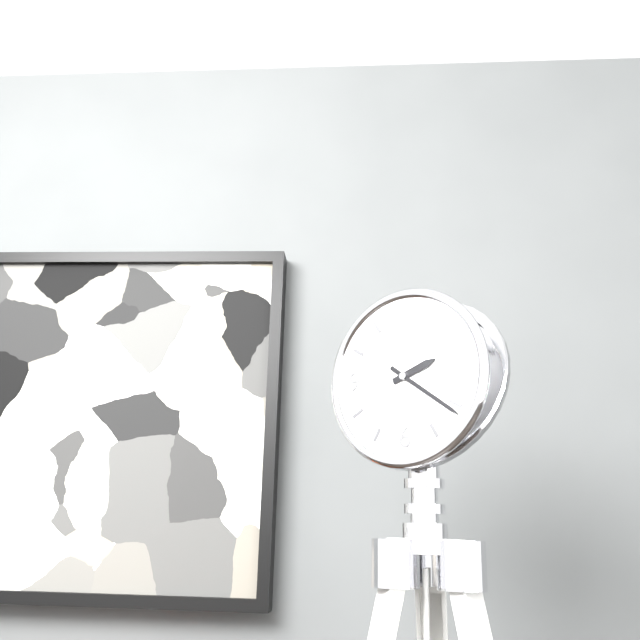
2:21
